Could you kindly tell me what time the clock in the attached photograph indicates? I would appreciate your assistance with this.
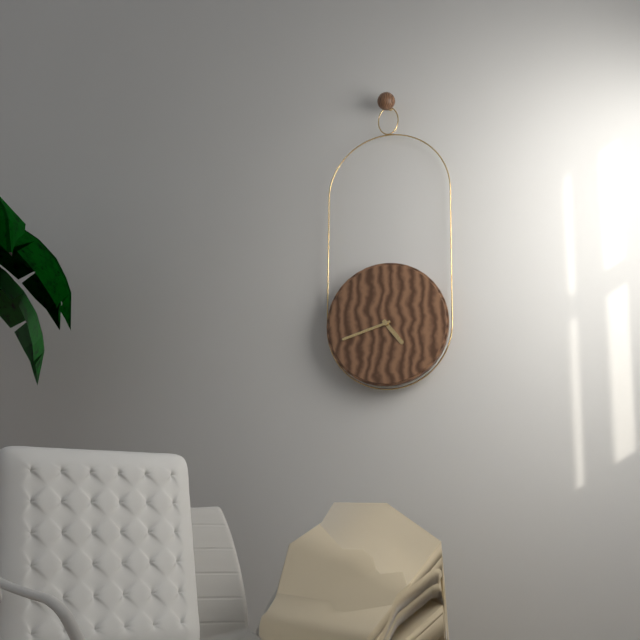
4:42
